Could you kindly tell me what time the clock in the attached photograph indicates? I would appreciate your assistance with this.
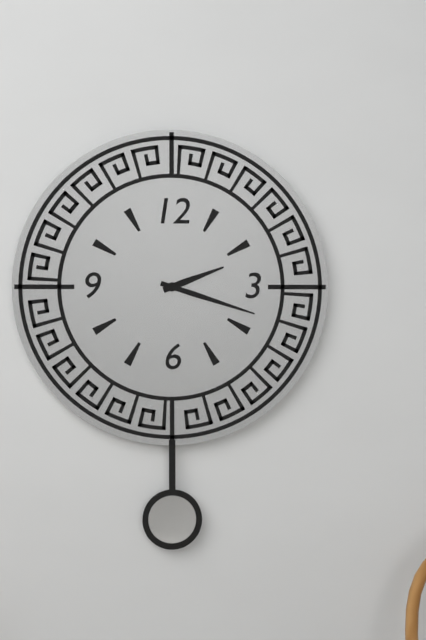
2:18
